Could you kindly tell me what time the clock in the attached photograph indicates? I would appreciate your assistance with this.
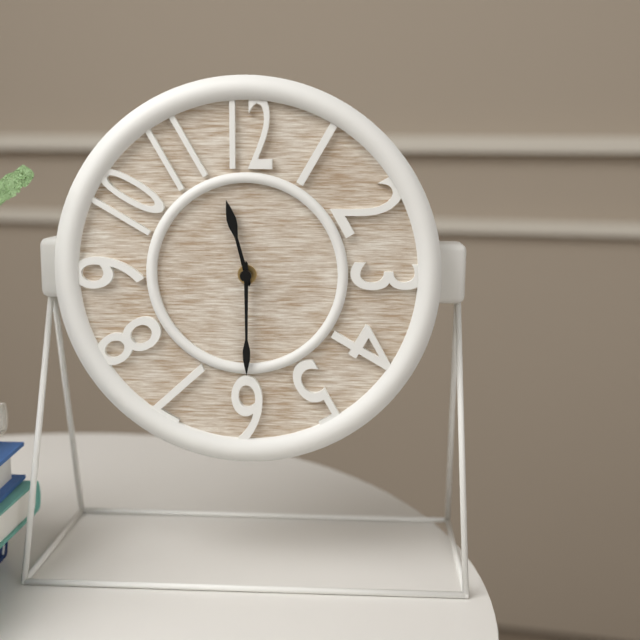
11:30
